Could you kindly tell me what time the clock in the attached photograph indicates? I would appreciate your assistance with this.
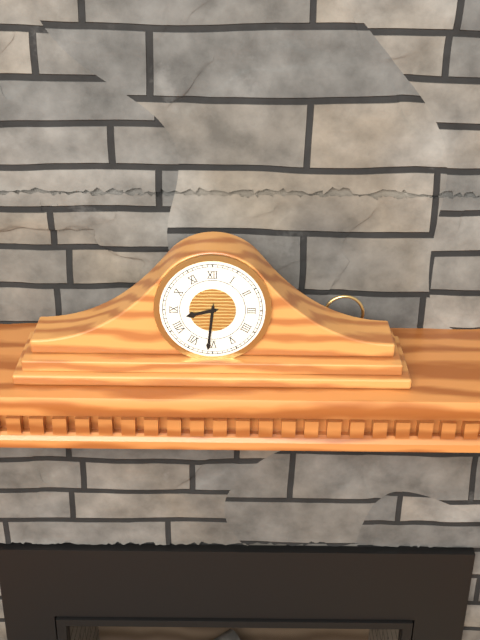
8:31
